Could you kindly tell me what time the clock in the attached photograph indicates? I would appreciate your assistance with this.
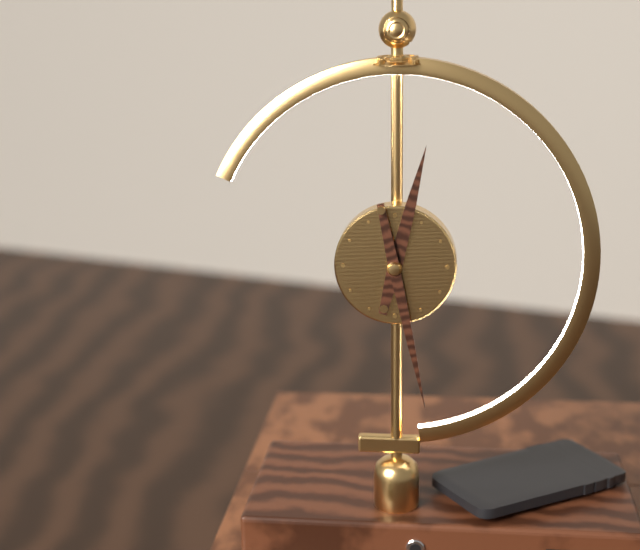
12:28
